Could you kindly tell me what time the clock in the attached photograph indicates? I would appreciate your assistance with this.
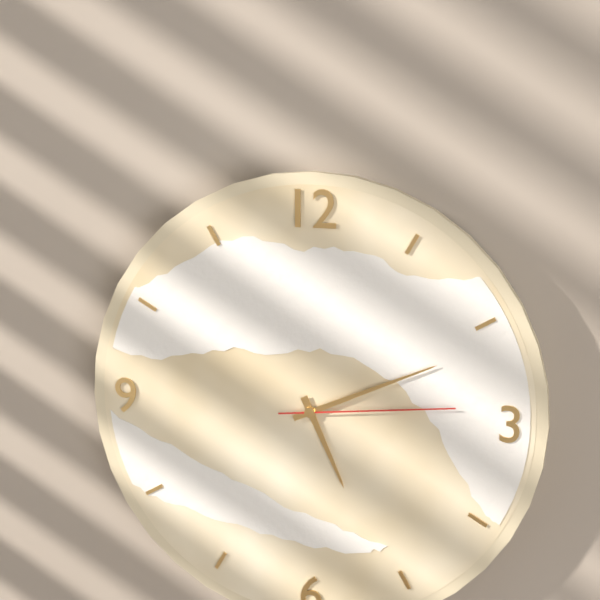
5:11:14
